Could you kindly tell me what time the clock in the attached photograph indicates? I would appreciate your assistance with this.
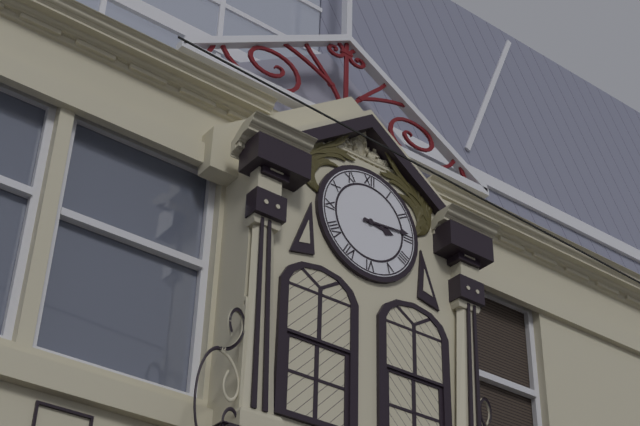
3:14
